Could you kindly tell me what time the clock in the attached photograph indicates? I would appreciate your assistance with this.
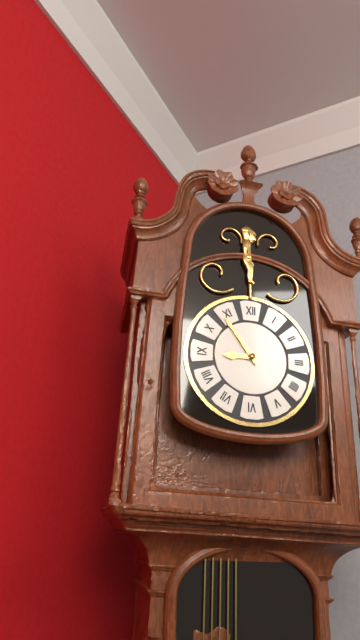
8:54
